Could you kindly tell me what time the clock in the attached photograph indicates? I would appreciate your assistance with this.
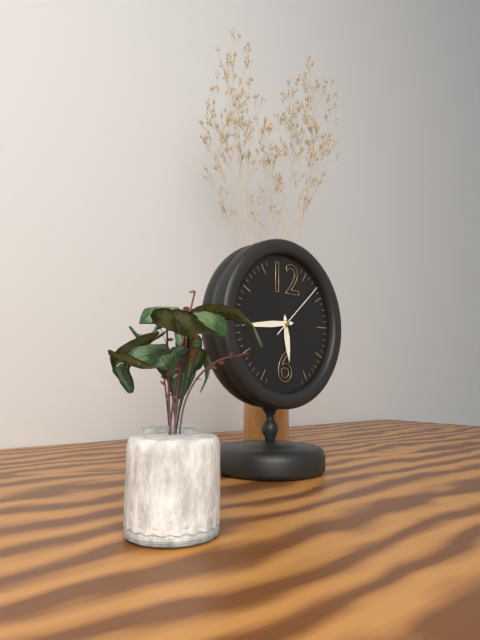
5:44:08
